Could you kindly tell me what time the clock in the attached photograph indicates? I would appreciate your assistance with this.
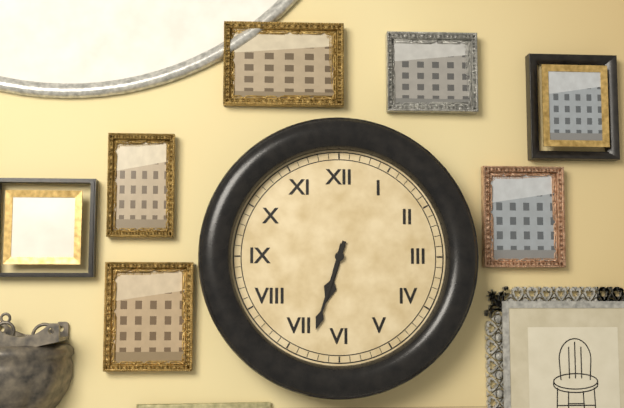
6:33
